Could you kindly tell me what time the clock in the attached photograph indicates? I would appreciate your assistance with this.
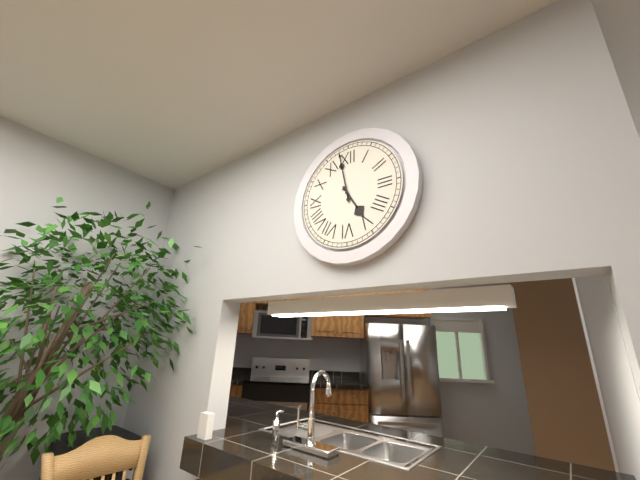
4:58
